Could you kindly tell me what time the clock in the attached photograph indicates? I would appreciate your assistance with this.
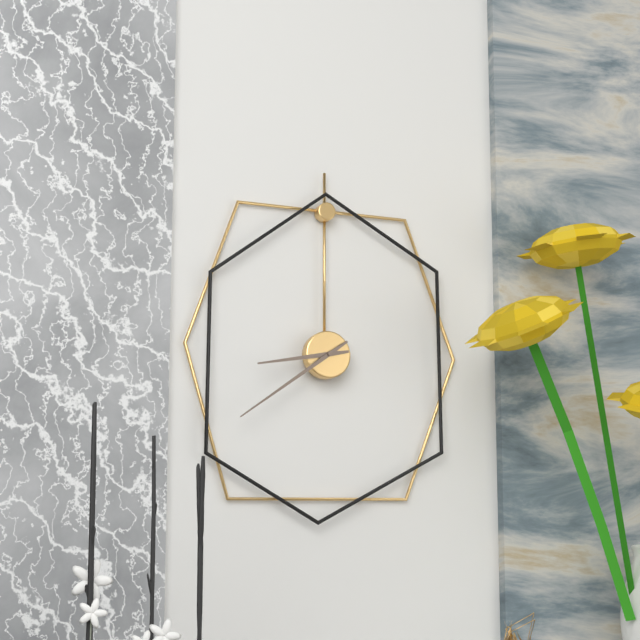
8:39
